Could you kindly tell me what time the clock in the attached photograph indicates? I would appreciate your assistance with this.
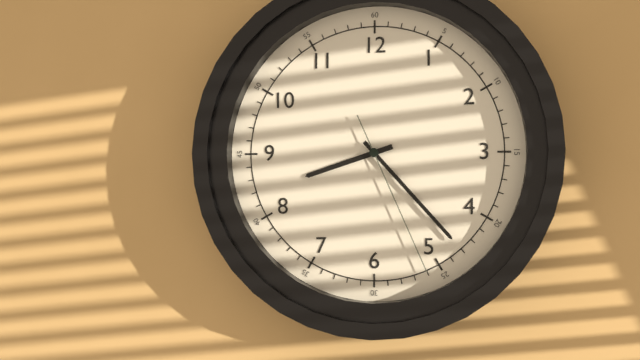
8:23:26
